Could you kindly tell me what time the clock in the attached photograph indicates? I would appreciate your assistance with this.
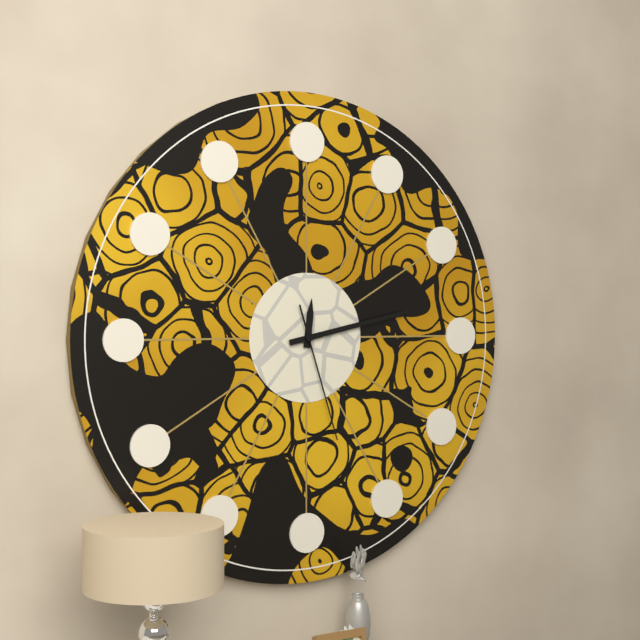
12:13:27
